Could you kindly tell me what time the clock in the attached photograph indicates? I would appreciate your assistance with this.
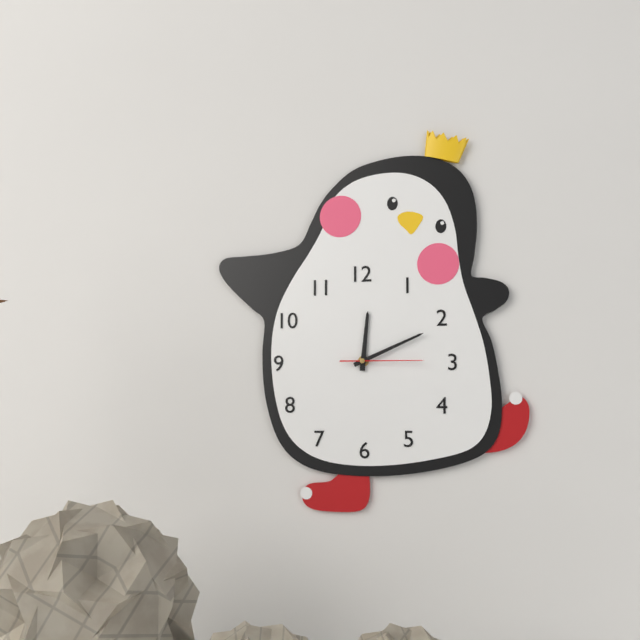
12:11:15
